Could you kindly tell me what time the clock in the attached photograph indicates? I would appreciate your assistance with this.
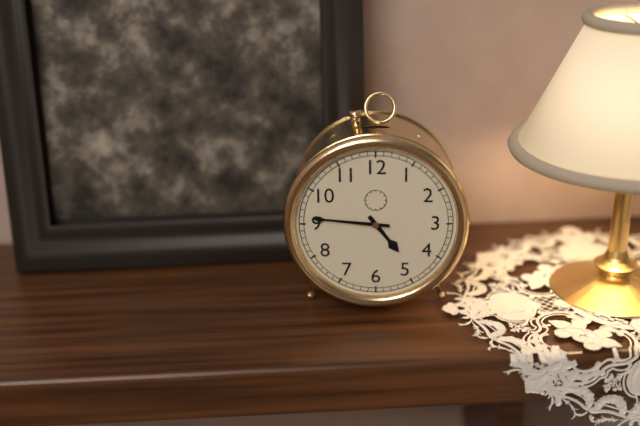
4:46
